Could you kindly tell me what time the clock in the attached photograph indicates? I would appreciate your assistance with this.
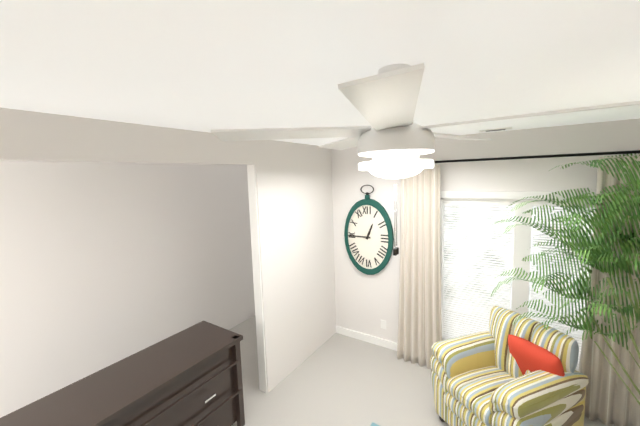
12:45
